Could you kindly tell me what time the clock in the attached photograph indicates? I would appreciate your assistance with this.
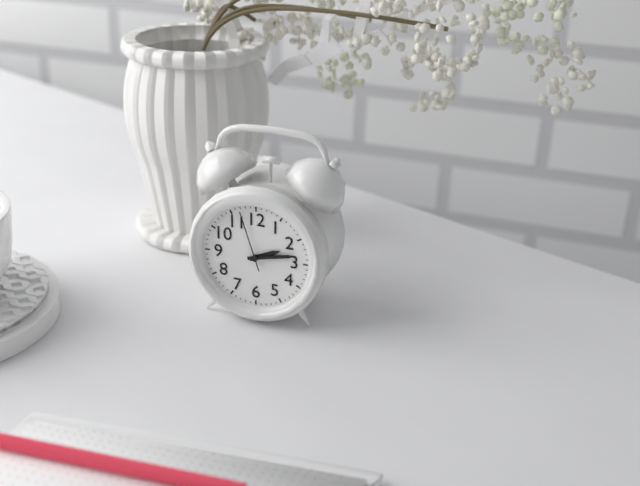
2:13:57
